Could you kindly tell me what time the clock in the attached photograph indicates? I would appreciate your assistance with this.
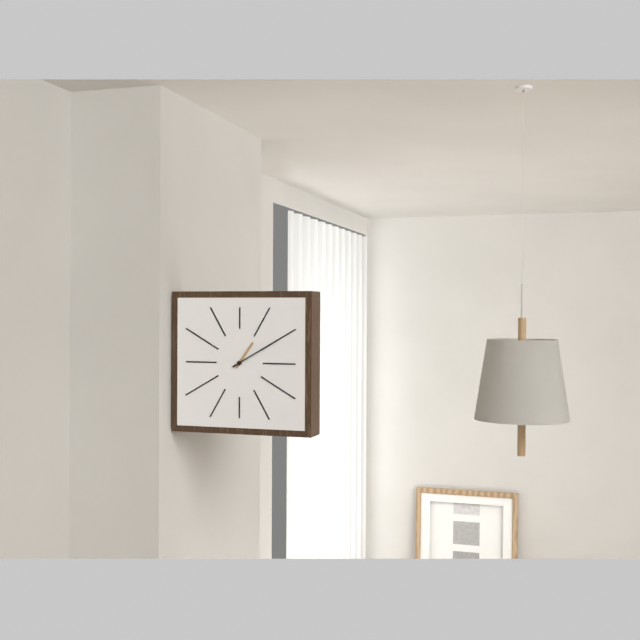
1:10
